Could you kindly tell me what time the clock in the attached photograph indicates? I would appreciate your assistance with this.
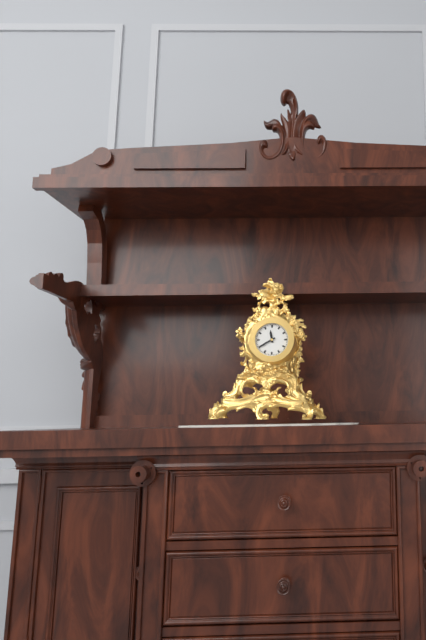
11:40
